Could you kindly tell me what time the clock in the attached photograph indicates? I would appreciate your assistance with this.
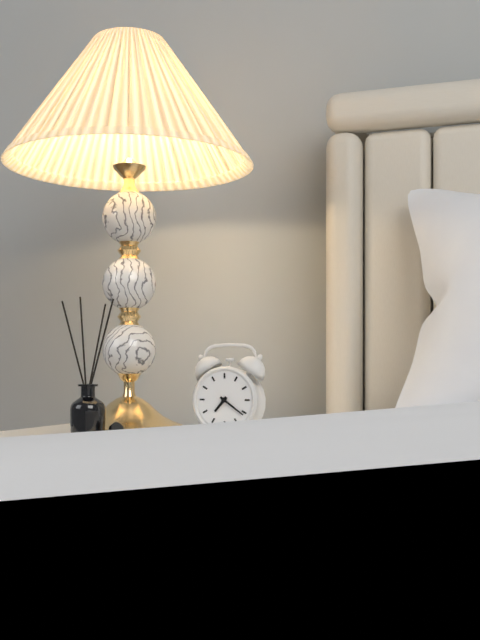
7:21
